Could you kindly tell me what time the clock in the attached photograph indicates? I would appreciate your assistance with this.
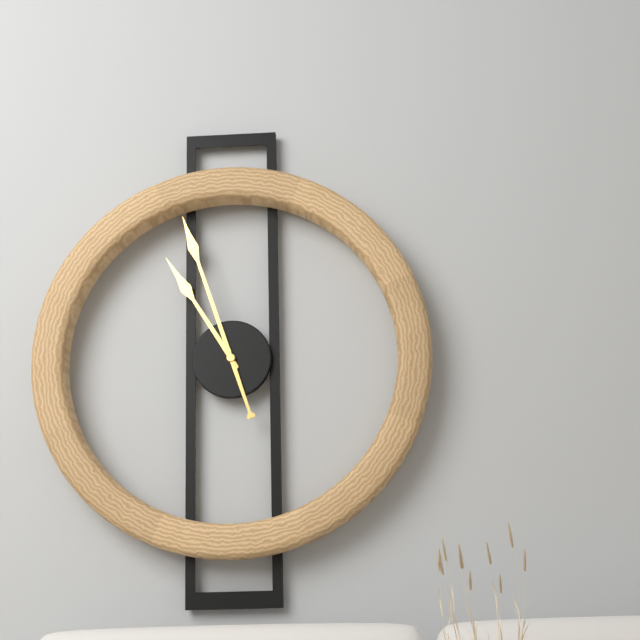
10:57
